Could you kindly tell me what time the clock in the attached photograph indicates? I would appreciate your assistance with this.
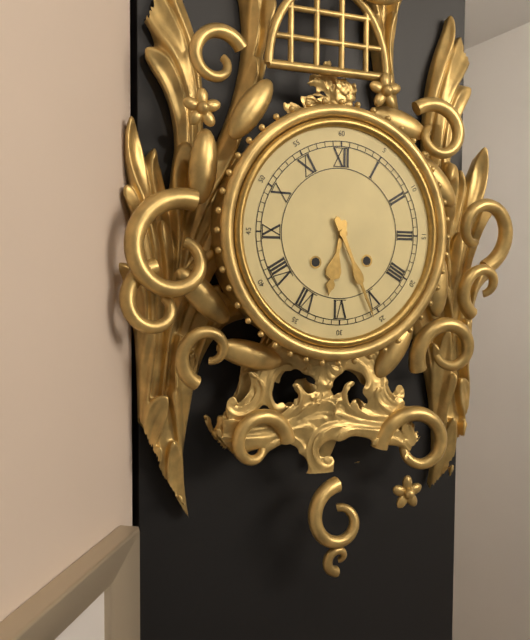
6:26
